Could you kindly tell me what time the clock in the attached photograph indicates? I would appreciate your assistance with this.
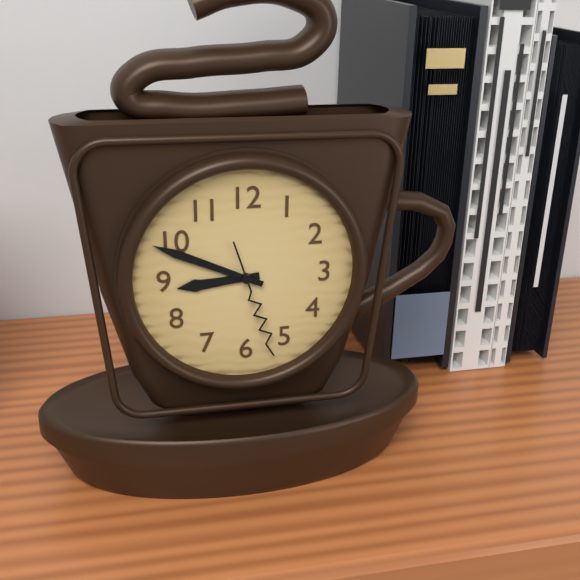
8:49:27
